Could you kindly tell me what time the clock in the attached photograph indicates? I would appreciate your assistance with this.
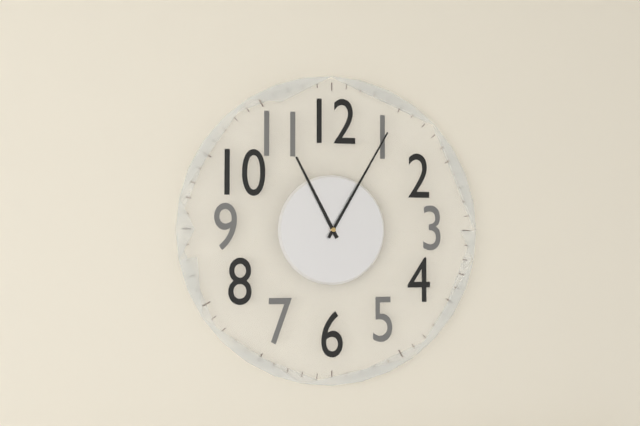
11:05
